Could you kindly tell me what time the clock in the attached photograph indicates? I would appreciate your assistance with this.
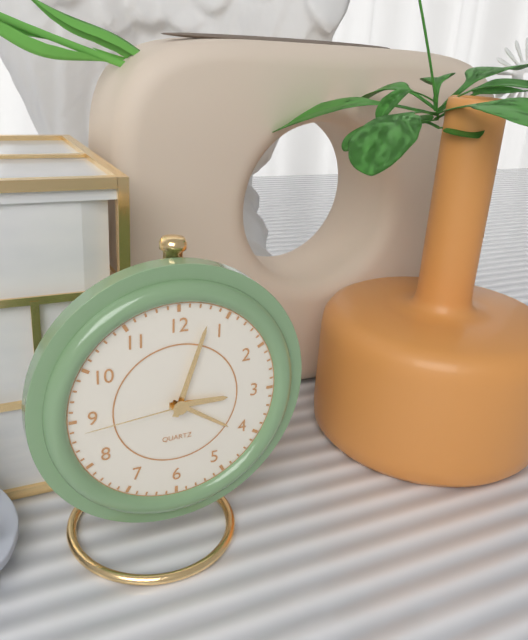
3:03:44
